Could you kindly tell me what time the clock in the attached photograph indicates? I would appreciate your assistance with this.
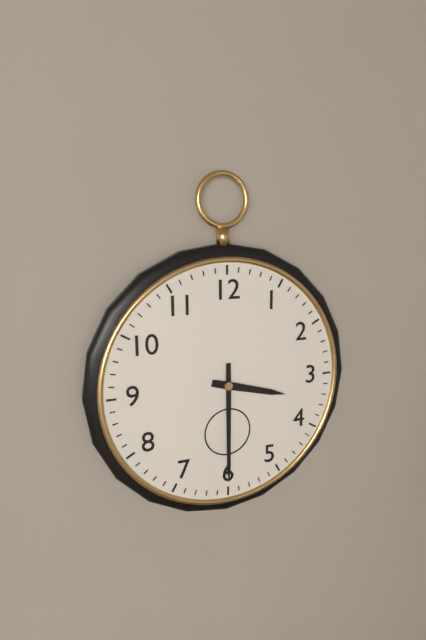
3:30
